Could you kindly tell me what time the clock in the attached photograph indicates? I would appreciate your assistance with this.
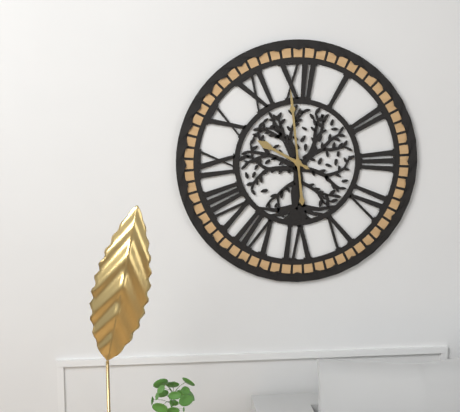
9:59
